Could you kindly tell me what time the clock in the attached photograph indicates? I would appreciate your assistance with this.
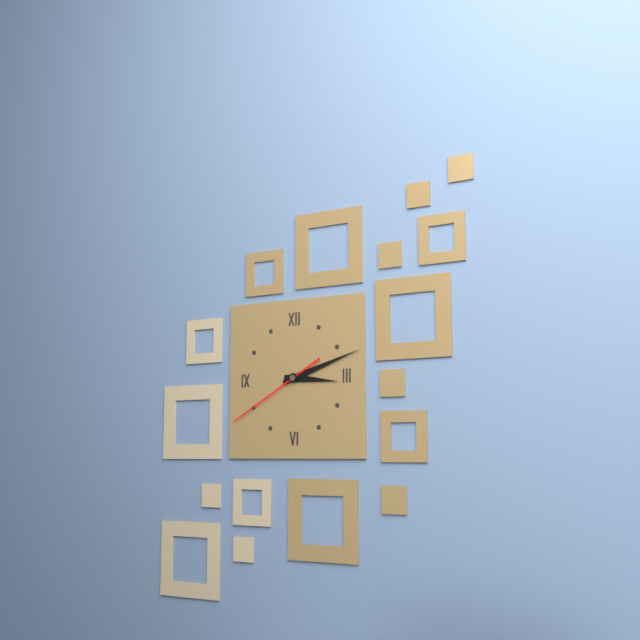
3:12:40
